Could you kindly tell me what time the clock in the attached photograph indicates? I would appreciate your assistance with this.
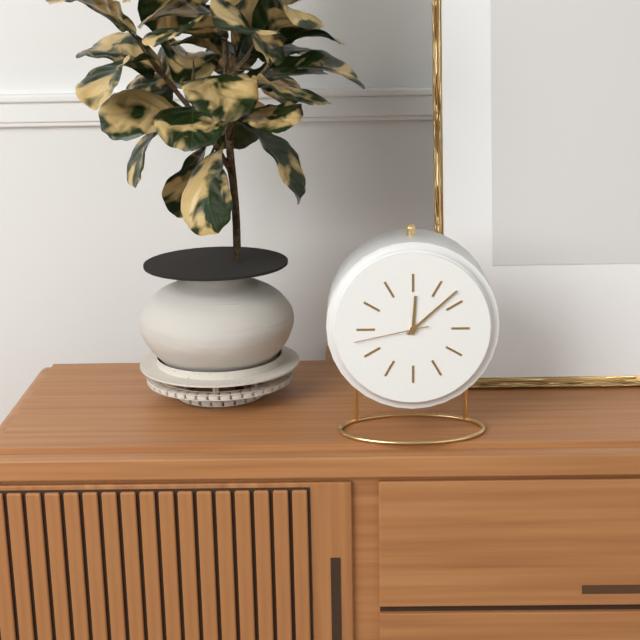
12:08:43
